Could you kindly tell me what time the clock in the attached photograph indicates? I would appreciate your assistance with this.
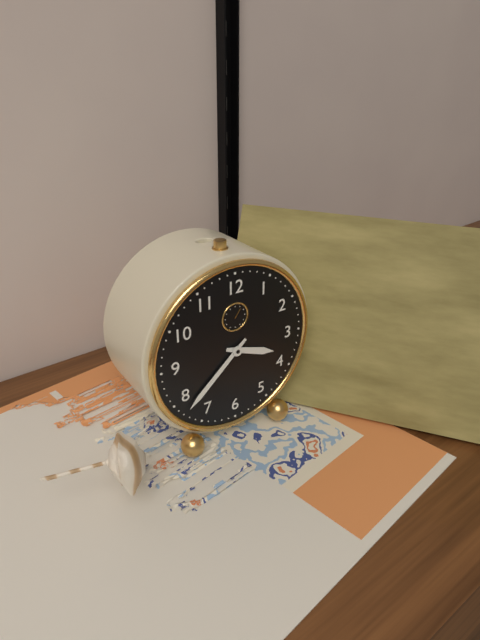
3:38
